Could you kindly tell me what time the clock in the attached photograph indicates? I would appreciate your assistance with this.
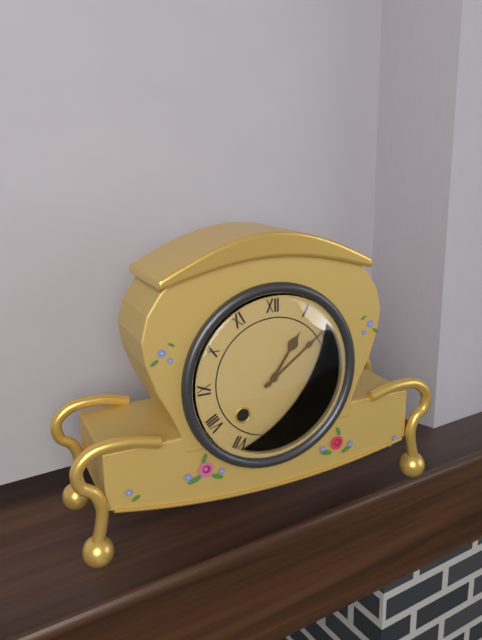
1:09
